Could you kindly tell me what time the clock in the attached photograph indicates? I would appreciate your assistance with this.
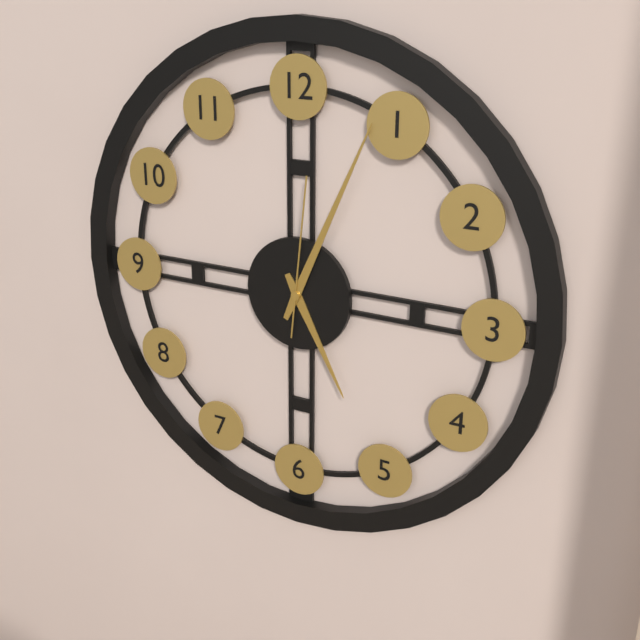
5:04:01
